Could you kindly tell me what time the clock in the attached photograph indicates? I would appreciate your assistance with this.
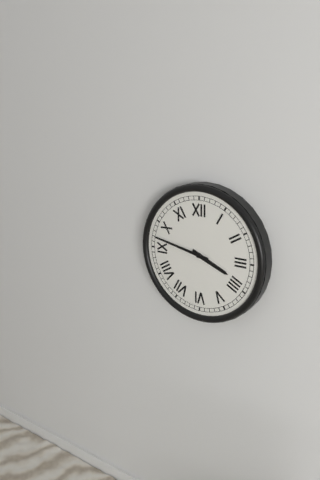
3:47
